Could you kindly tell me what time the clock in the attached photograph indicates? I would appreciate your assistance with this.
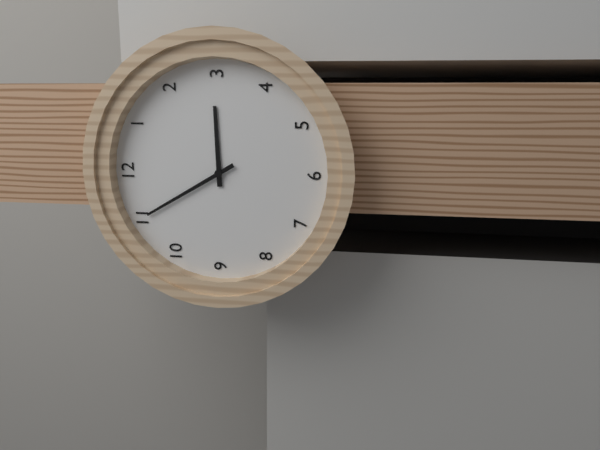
2:55
